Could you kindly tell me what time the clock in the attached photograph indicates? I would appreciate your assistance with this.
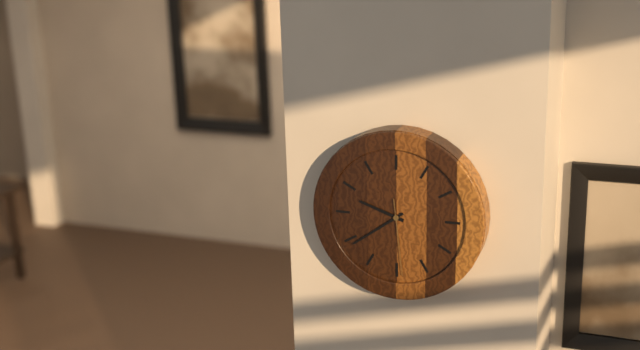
9:39:29
